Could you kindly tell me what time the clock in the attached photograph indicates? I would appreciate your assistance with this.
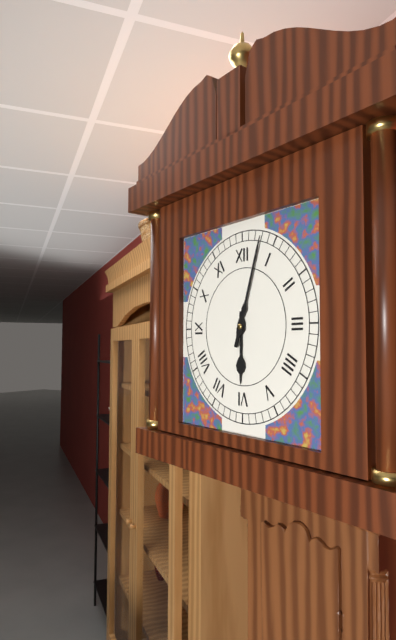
6:03
